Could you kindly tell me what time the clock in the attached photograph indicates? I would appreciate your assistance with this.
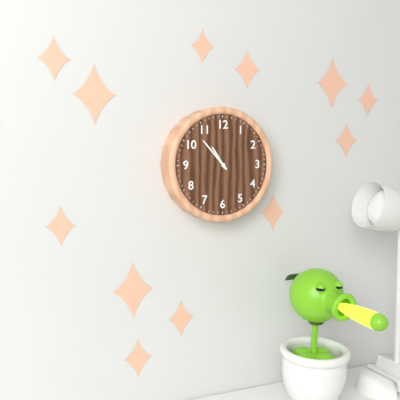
10:53
